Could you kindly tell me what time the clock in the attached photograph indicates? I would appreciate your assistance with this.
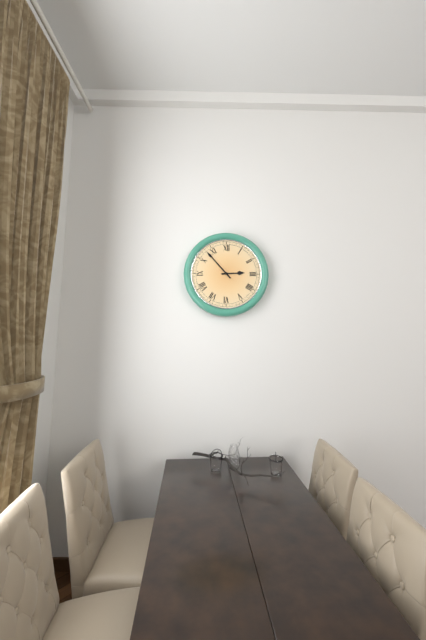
2:53
